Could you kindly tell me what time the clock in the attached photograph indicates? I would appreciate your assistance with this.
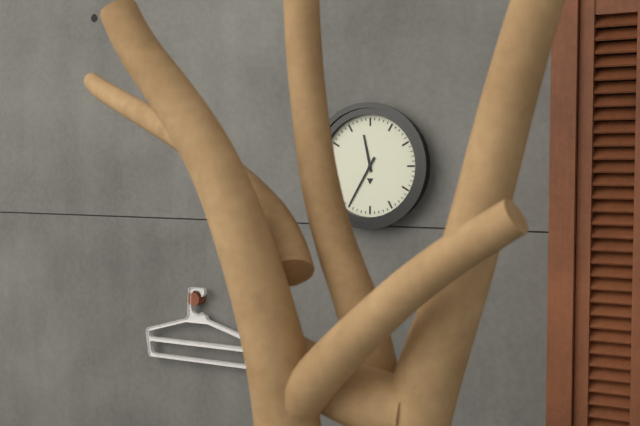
11:35
